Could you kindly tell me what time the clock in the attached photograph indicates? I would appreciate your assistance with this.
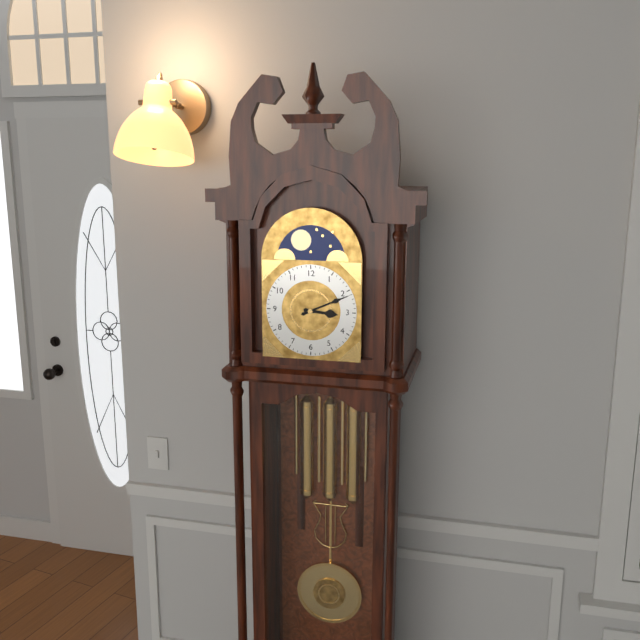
3:11
